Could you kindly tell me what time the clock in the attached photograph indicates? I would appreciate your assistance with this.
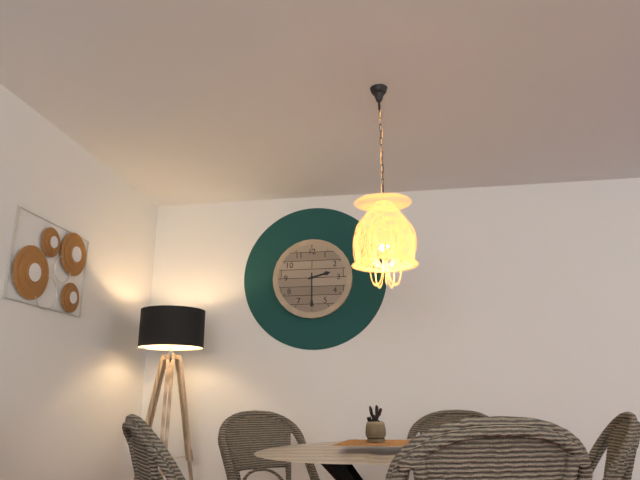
2:30
